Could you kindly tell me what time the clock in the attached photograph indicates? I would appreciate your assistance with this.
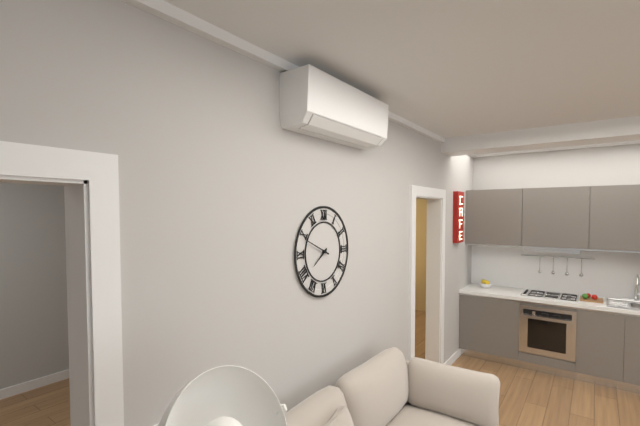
7:49
